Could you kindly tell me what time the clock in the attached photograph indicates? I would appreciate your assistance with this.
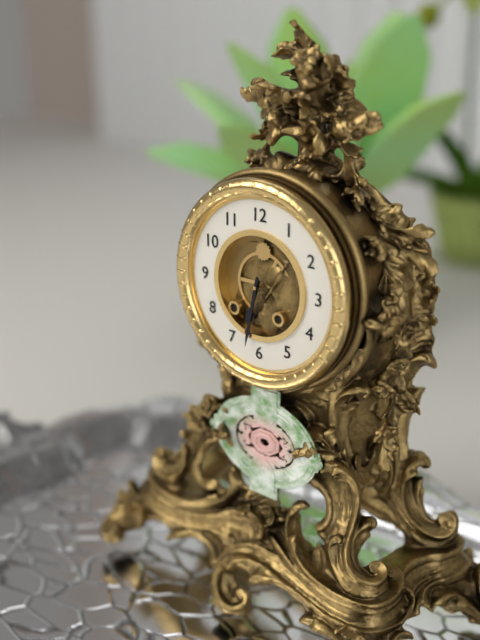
6:32
